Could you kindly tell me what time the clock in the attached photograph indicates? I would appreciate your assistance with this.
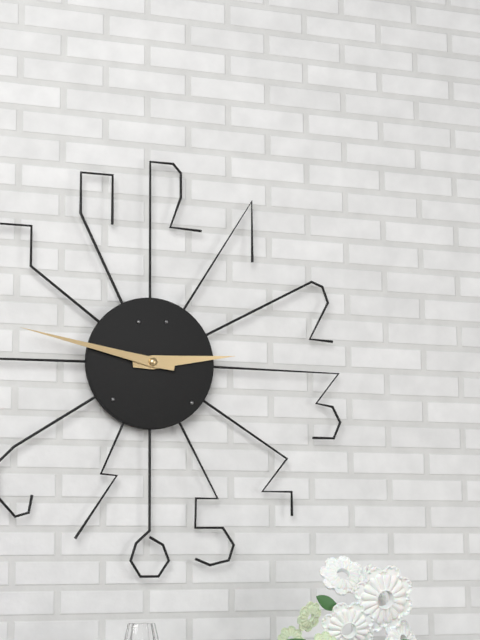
2:47
